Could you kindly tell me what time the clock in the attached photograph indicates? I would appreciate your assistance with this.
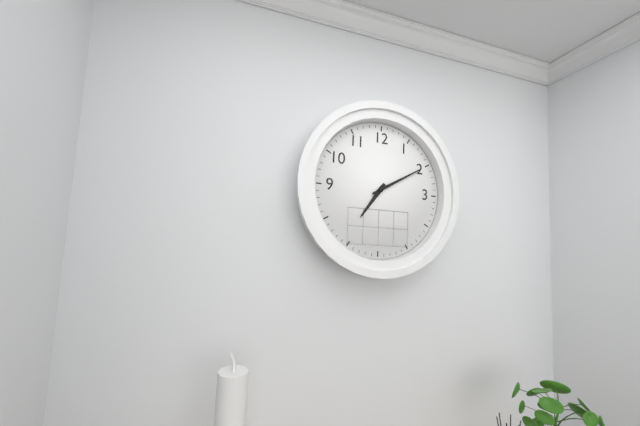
7:10
